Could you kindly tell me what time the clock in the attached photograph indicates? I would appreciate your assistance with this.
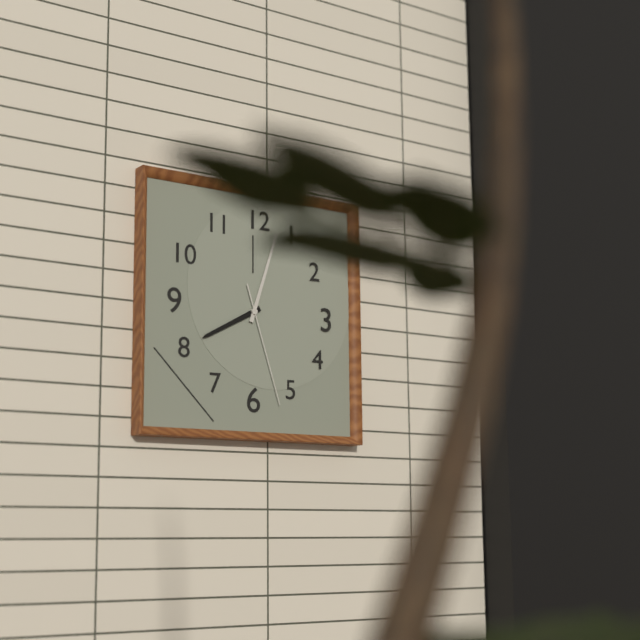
8:03:27
